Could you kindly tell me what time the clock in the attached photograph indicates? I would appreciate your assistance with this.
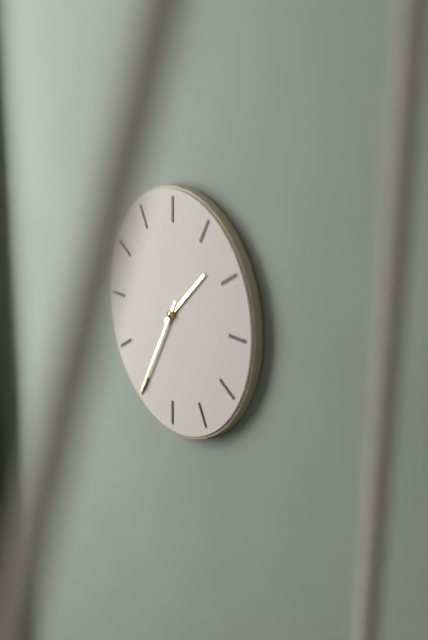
1:35
